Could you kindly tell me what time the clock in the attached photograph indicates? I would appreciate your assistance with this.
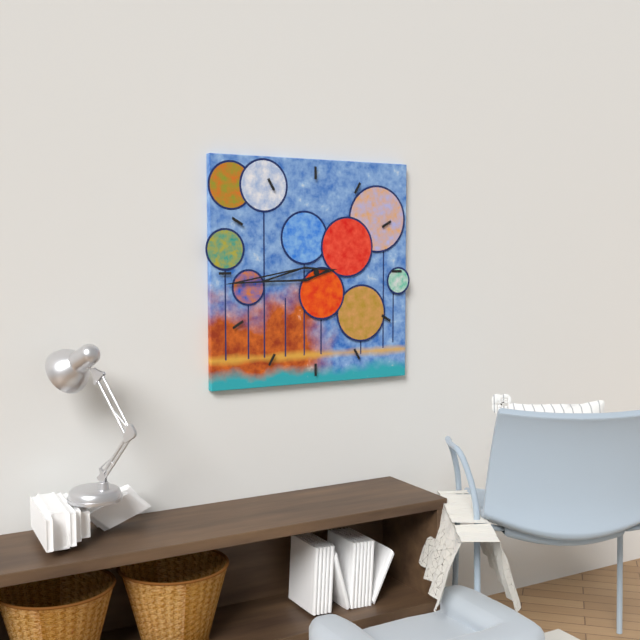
8:44
